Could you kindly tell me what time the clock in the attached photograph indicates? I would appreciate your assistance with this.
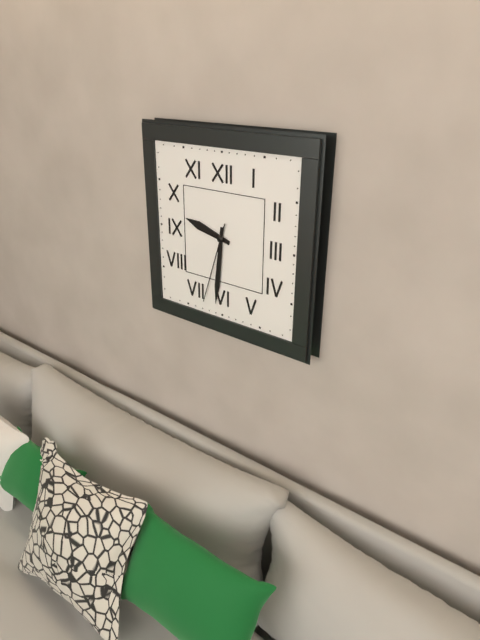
9:31:33
